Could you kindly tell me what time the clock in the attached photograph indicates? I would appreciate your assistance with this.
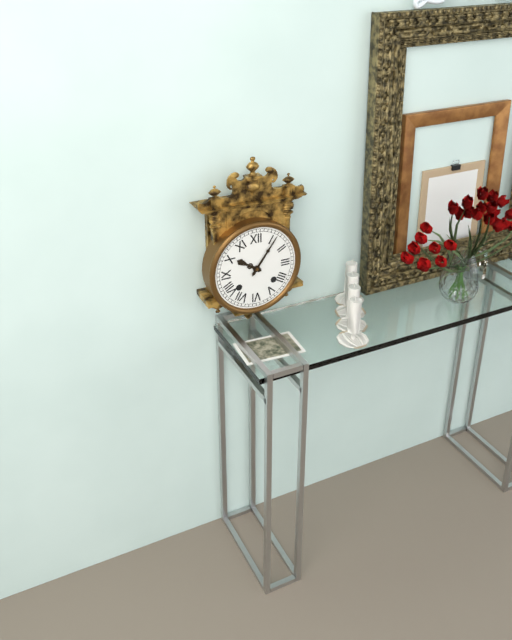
10:06
